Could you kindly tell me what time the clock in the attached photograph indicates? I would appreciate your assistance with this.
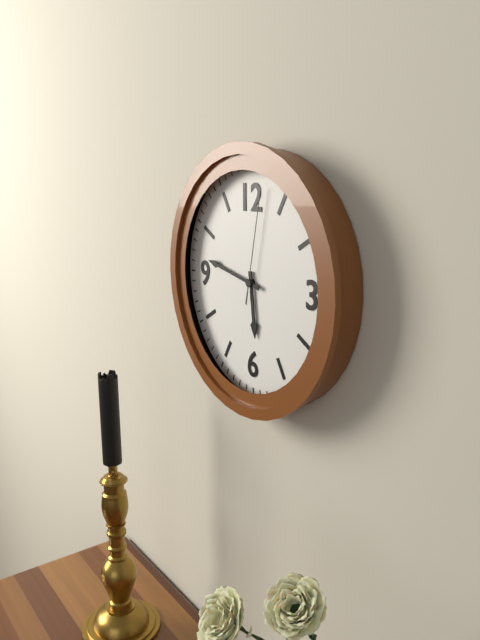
5:47:02
